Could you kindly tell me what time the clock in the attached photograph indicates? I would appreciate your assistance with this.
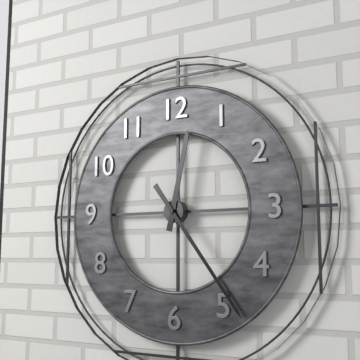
12:24
